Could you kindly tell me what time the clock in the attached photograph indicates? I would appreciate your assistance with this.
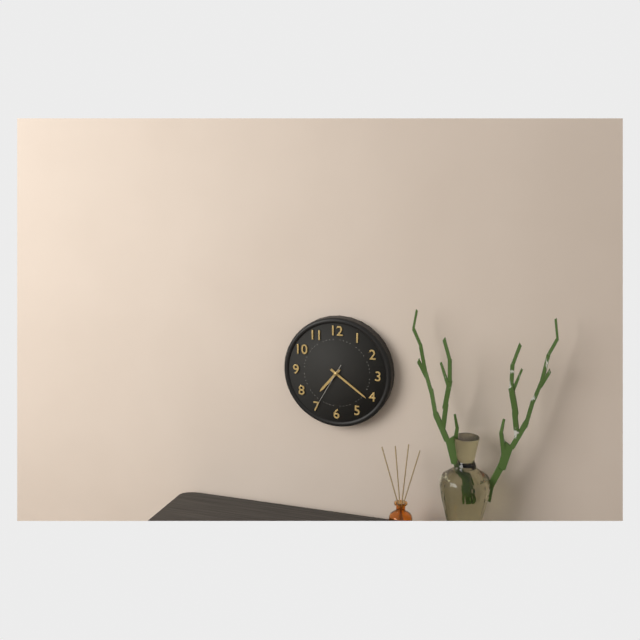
7:21:35
